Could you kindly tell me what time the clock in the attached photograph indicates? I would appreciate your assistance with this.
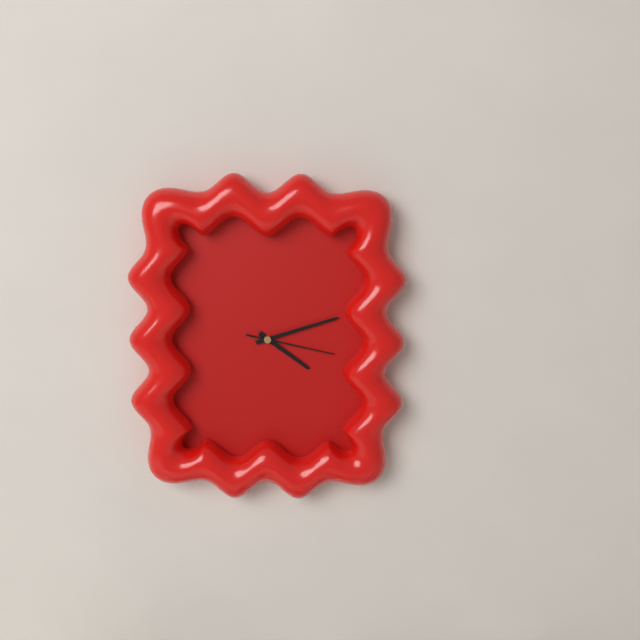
4:12:17
